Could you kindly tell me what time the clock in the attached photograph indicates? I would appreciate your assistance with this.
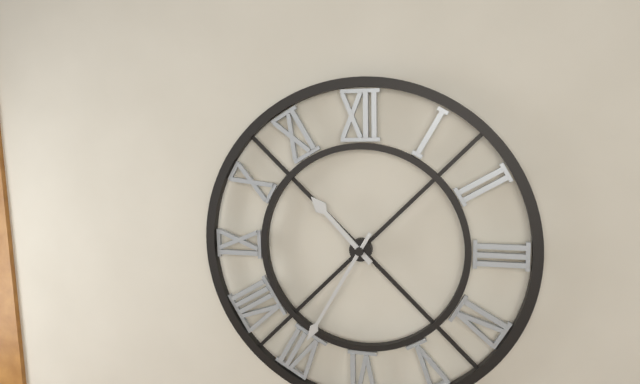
10:35
